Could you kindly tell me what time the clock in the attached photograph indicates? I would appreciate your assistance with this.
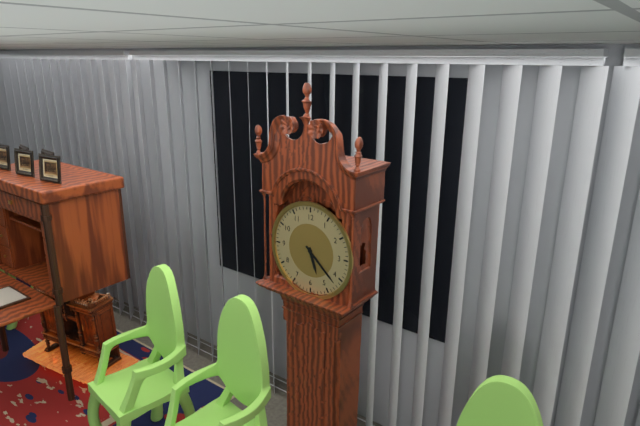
5:22
